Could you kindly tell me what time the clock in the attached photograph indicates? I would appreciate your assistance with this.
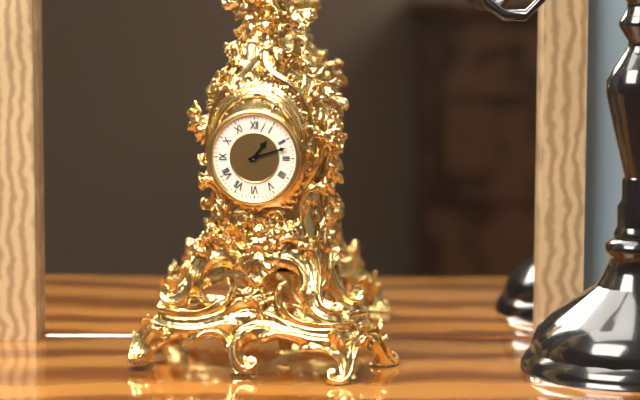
1:12
